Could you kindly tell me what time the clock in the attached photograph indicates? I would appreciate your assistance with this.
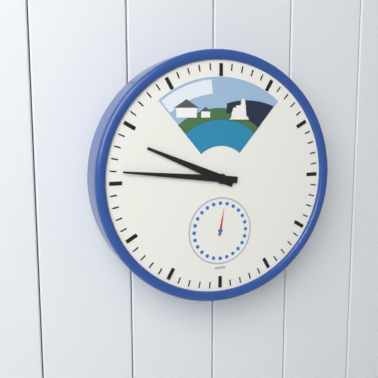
9:46
